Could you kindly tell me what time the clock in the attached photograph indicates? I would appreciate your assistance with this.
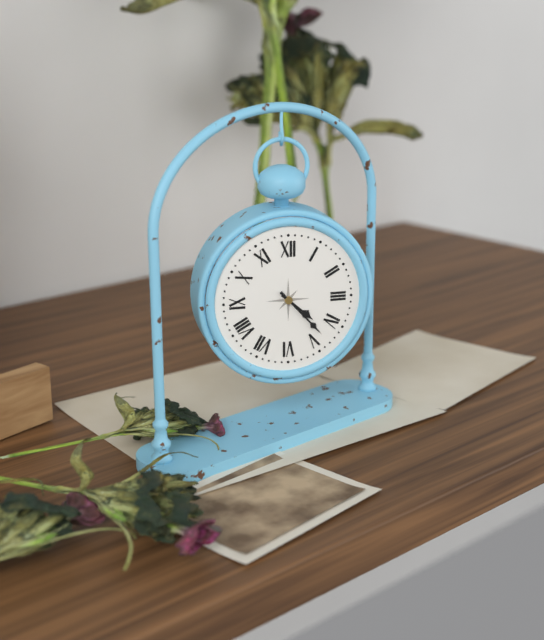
4:23
